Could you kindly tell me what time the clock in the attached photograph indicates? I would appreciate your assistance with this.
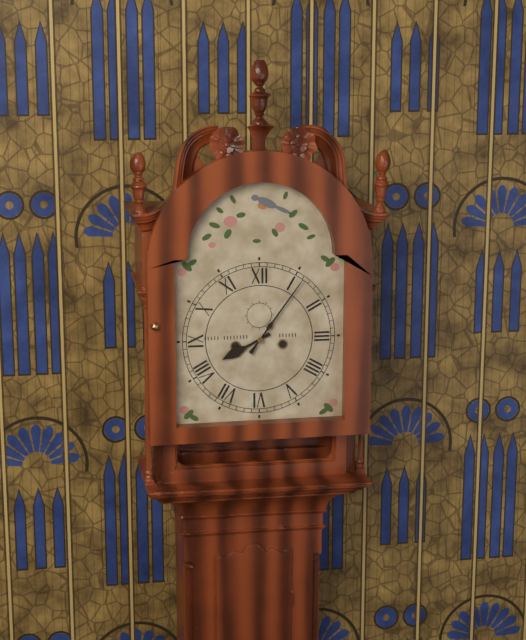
8:06
